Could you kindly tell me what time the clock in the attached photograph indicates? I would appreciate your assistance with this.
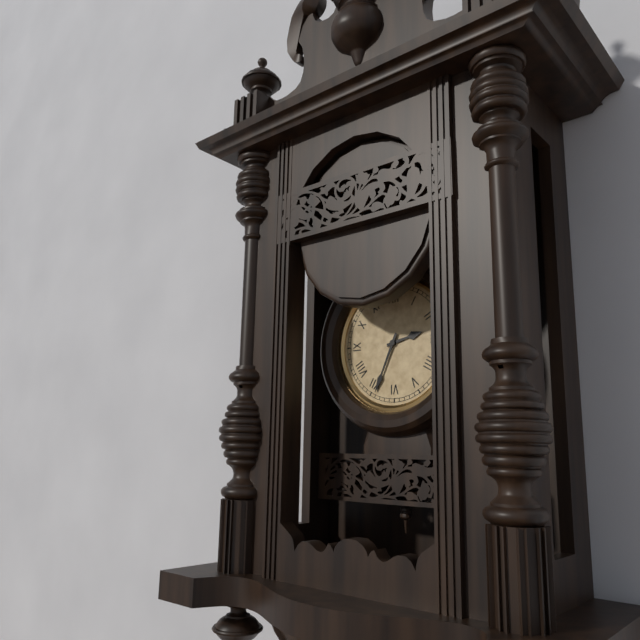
2:34
